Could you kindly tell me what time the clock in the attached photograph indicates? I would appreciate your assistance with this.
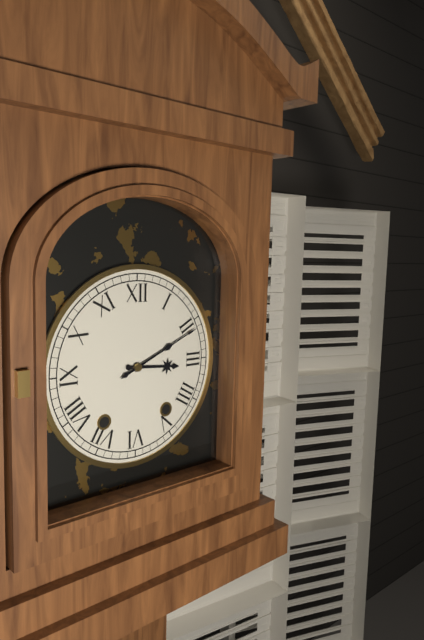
3:11
